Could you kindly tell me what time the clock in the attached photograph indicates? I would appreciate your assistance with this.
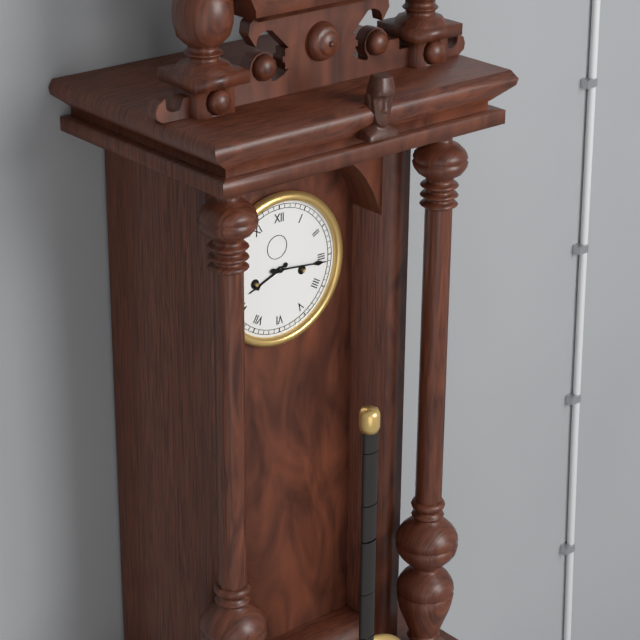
8:16
